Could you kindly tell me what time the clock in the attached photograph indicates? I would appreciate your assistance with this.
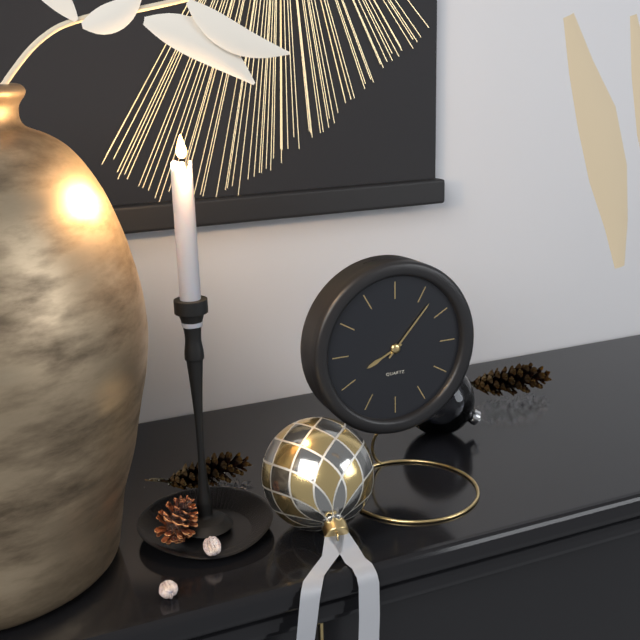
8:07
